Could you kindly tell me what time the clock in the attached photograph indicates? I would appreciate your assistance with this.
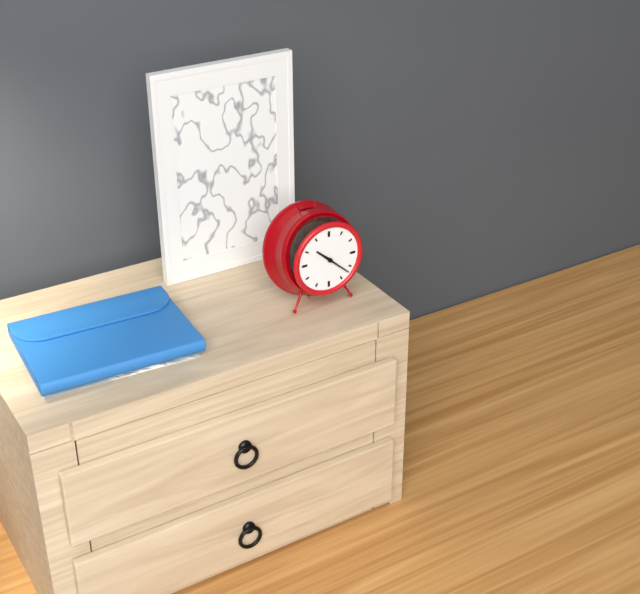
10:22
